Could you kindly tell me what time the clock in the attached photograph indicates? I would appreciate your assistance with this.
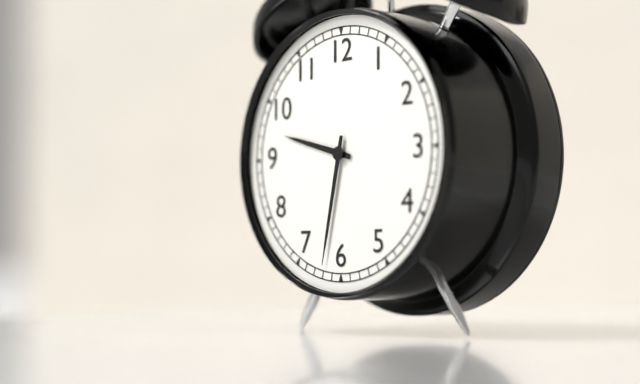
9:32
